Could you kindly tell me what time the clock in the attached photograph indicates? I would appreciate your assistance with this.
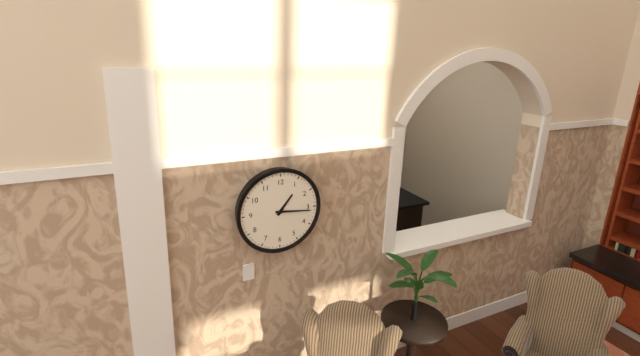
1:16
